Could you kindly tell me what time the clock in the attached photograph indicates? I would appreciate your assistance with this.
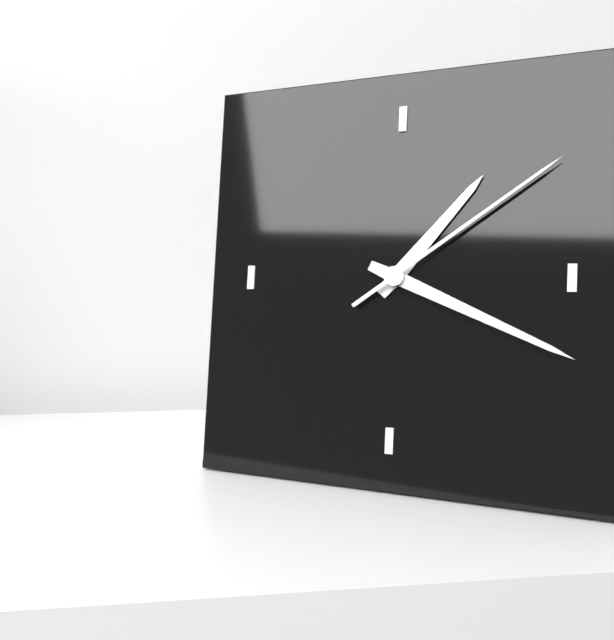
1:19:09
